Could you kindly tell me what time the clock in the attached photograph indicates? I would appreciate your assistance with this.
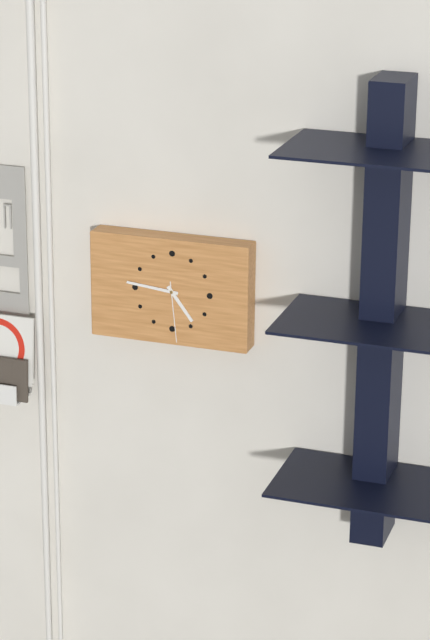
4:46:29
